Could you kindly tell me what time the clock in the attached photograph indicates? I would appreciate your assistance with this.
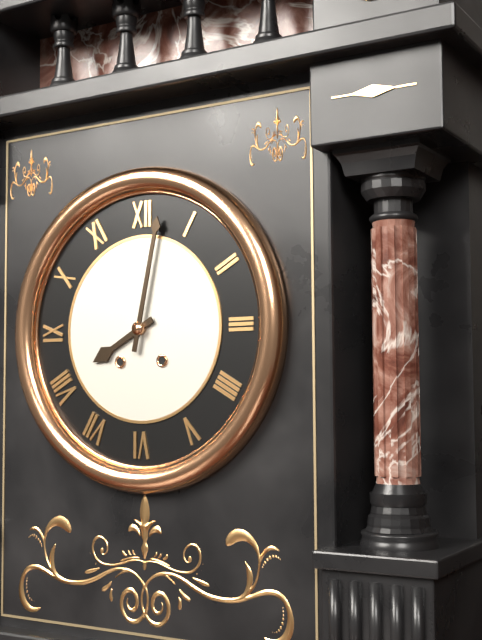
8:02
